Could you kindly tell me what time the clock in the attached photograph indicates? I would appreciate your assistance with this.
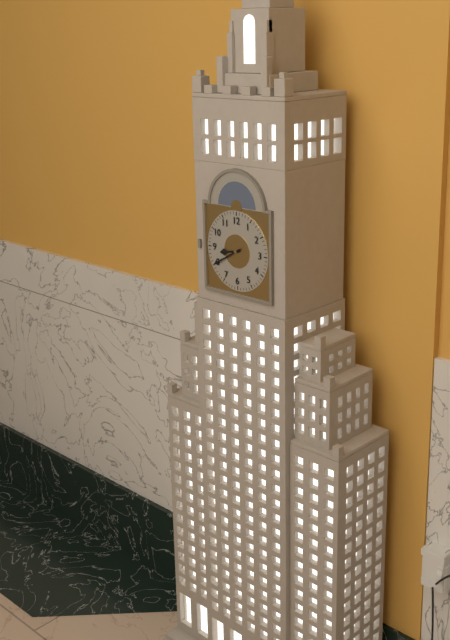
8:40
